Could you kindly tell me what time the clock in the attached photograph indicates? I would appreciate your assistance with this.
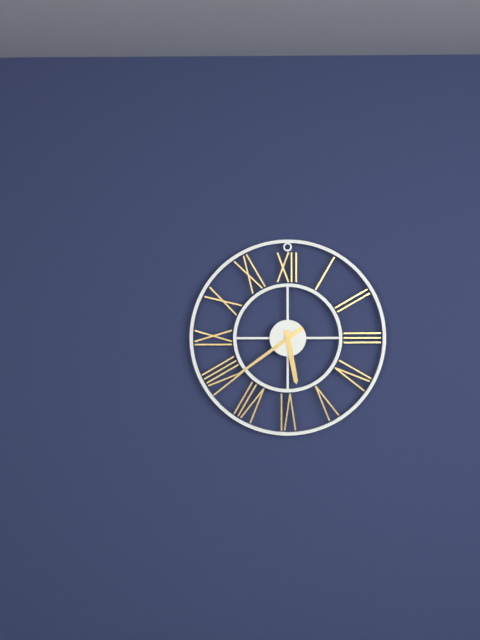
5:39
